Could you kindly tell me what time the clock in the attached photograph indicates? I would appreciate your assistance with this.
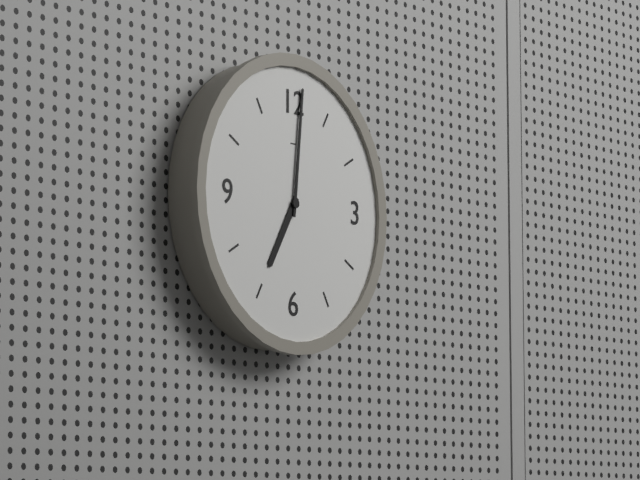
7:01
